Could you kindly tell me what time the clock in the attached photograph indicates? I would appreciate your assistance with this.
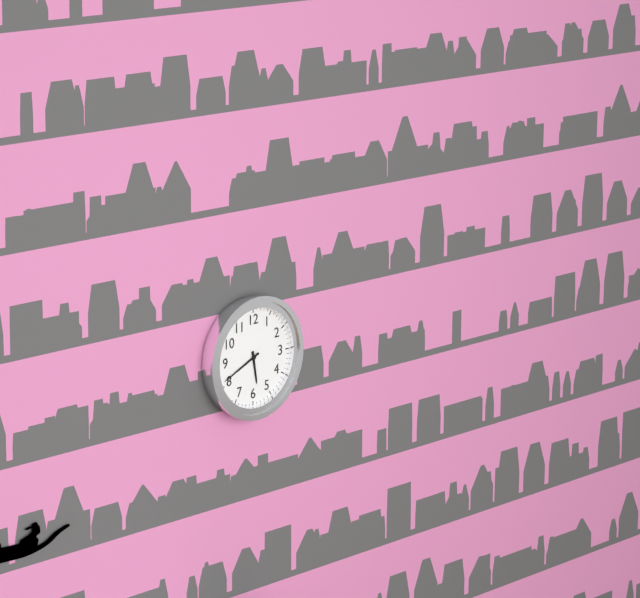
5:41
